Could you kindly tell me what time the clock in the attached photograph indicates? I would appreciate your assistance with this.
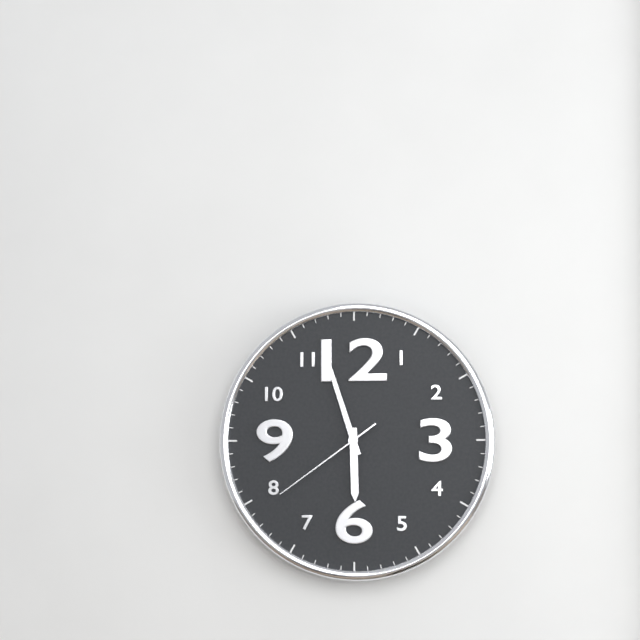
5:57:39
